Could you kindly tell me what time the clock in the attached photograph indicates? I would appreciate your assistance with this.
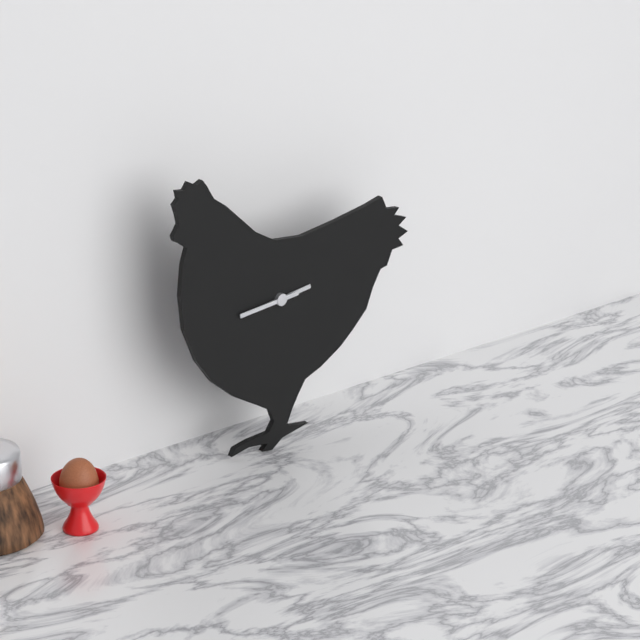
2:44
